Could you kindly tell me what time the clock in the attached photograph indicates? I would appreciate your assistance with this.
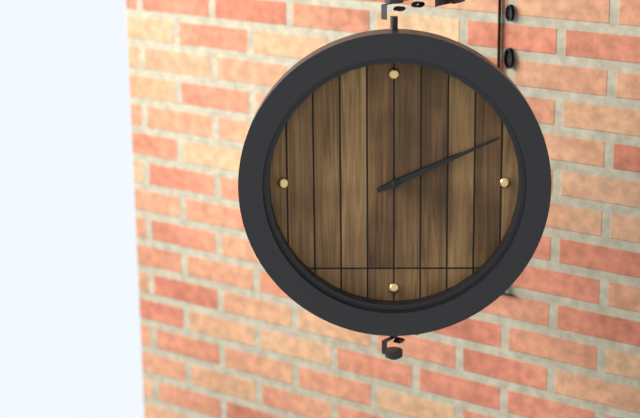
2:11
